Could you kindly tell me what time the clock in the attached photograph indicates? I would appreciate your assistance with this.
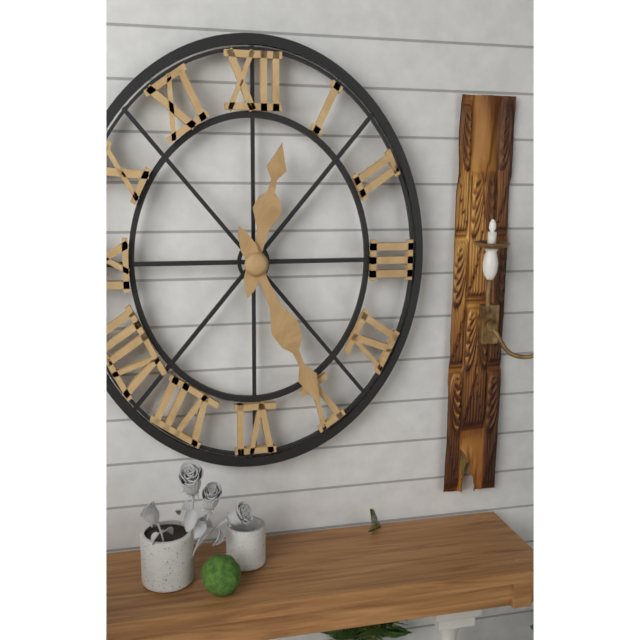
12:26
